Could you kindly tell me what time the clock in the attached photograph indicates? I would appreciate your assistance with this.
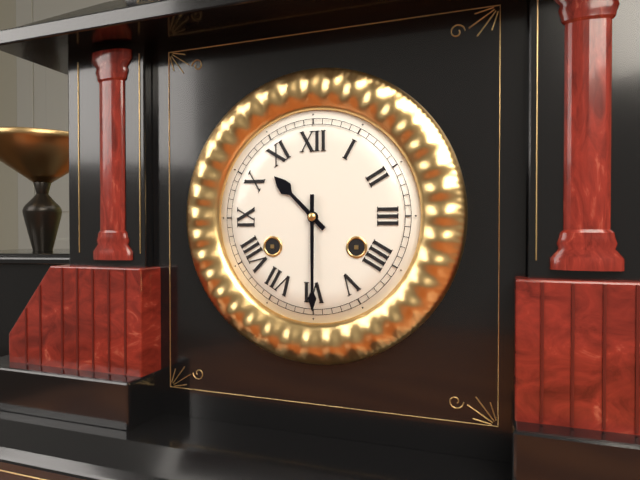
10:30
